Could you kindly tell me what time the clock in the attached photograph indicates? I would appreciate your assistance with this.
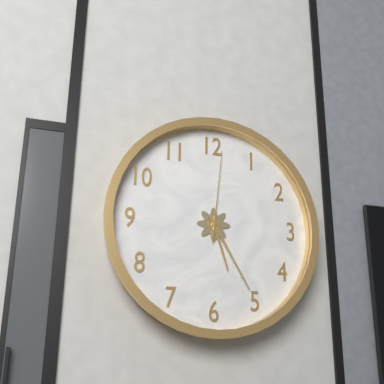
5:25:01
